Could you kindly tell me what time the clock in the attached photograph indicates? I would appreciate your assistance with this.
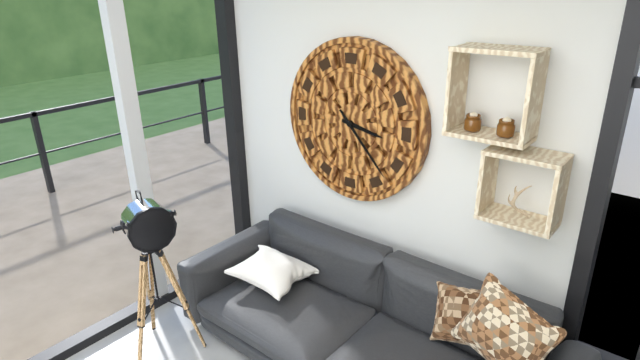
3:23
